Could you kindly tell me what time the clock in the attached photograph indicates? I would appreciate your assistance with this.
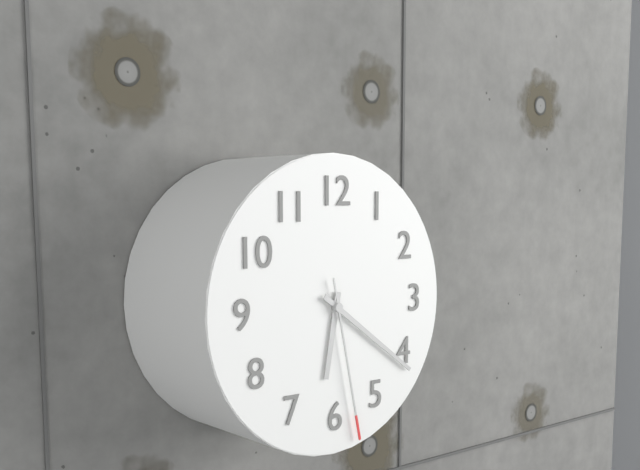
6:21:28
